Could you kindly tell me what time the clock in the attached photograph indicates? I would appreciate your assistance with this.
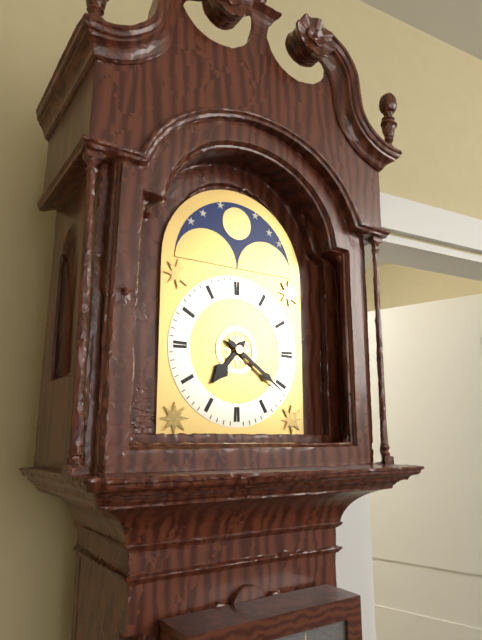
7:21
